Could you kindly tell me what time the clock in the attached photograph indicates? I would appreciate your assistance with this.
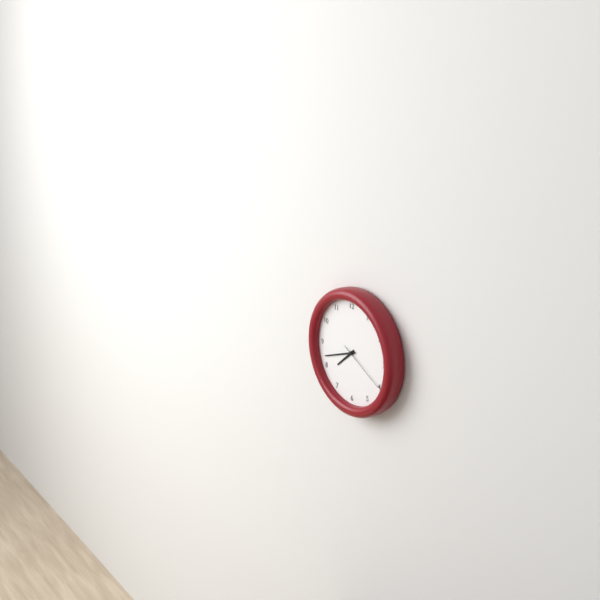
7:42:20
